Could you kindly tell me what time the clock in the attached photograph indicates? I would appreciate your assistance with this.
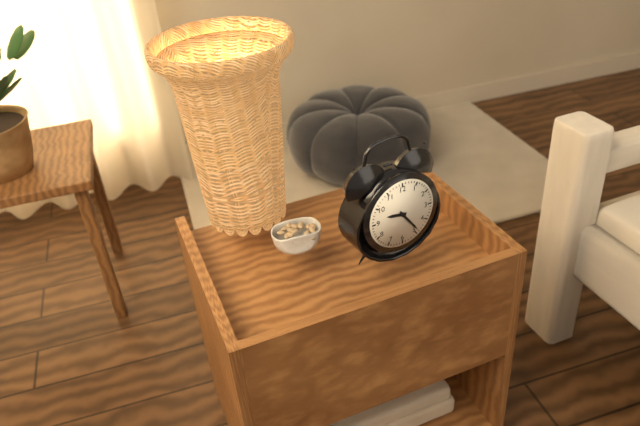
9:24
